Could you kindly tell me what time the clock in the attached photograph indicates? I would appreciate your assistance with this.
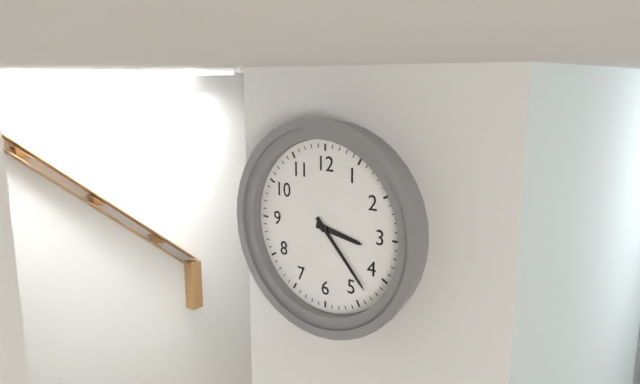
3:23
